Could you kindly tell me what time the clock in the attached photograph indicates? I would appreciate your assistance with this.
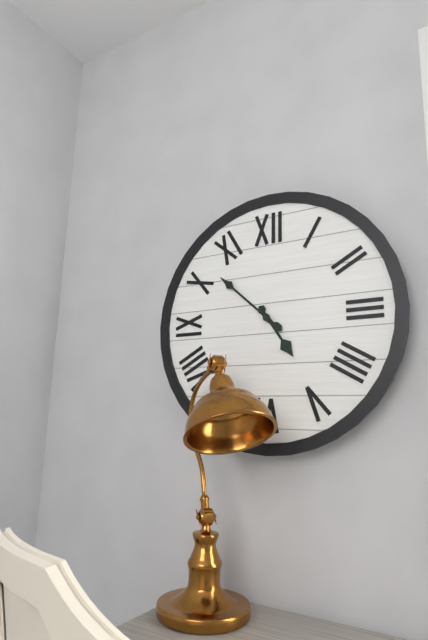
4:52
